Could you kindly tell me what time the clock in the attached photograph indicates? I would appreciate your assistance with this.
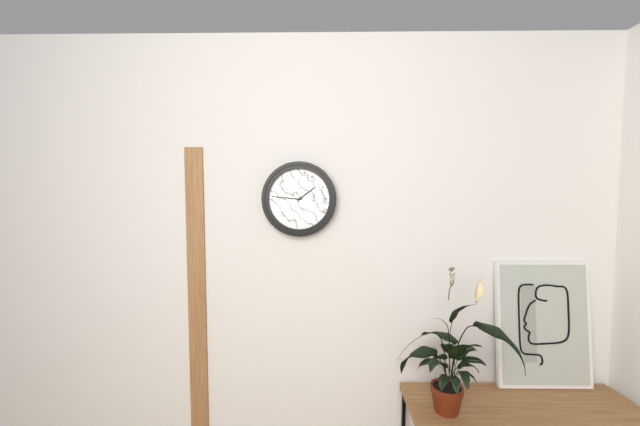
1:46
